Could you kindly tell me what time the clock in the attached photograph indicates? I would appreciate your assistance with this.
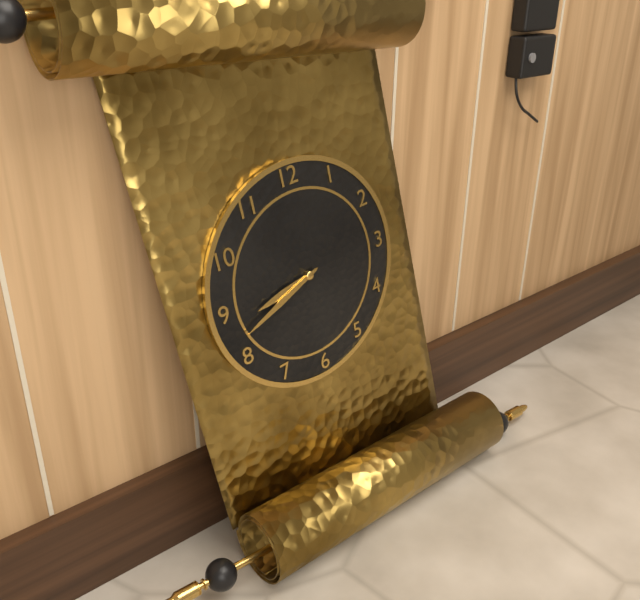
8:42
